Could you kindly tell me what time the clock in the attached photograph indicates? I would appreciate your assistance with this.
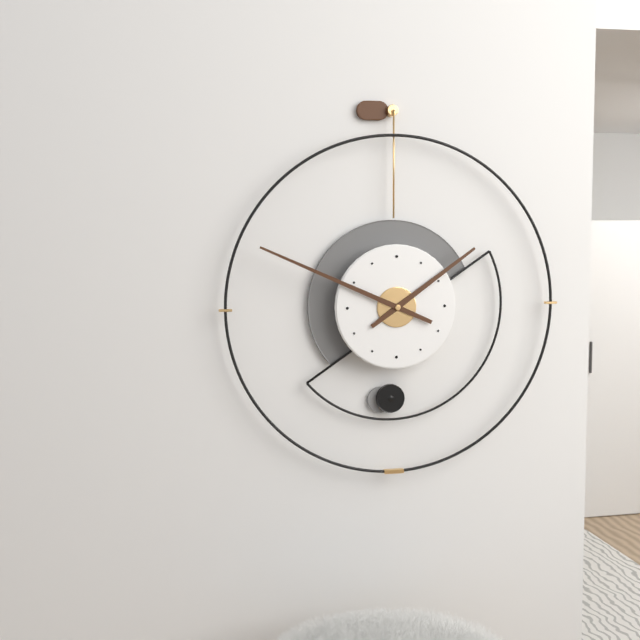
1:49
